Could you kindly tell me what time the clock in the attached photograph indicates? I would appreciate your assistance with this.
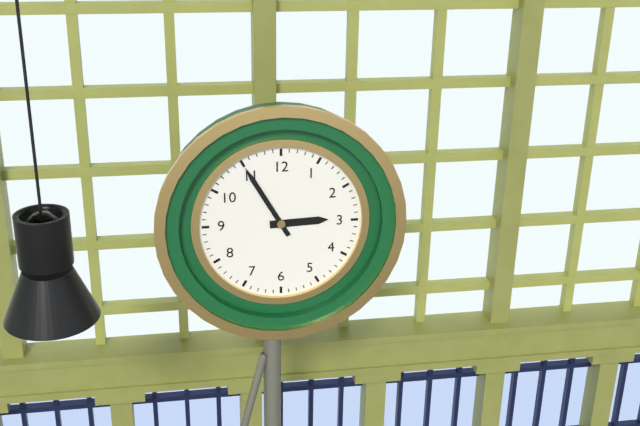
2:55
